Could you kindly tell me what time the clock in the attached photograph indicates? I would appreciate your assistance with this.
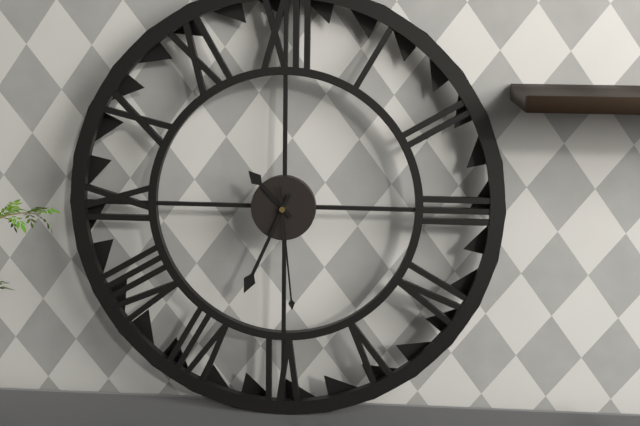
10:34:29
